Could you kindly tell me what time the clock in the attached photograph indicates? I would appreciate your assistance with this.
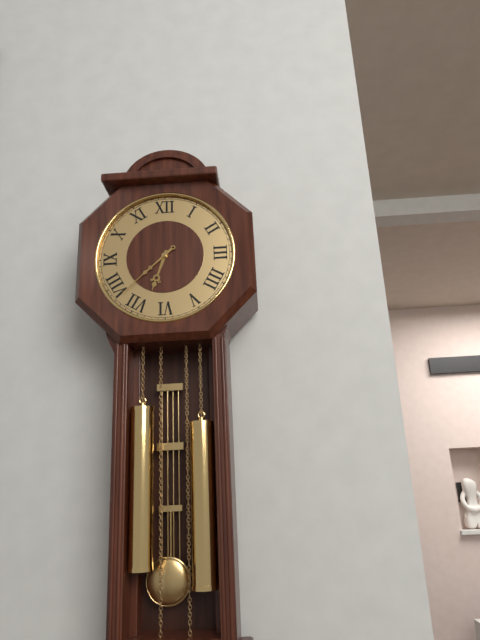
6:38
